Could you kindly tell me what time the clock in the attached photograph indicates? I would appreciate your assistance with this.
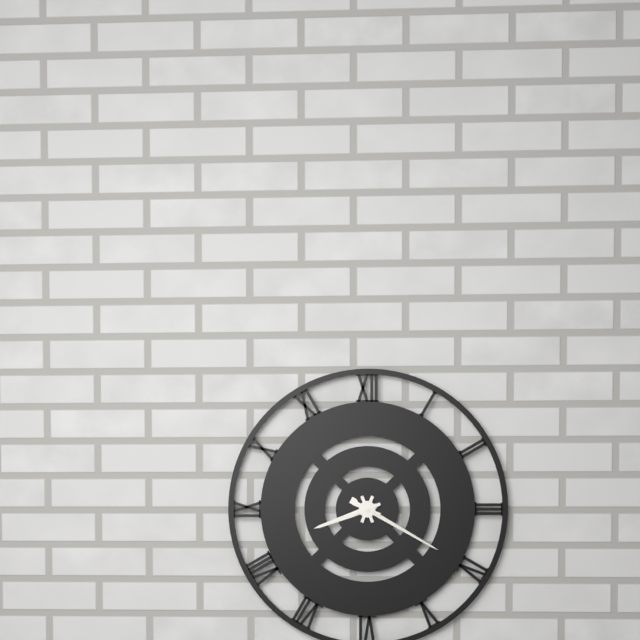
8:20
